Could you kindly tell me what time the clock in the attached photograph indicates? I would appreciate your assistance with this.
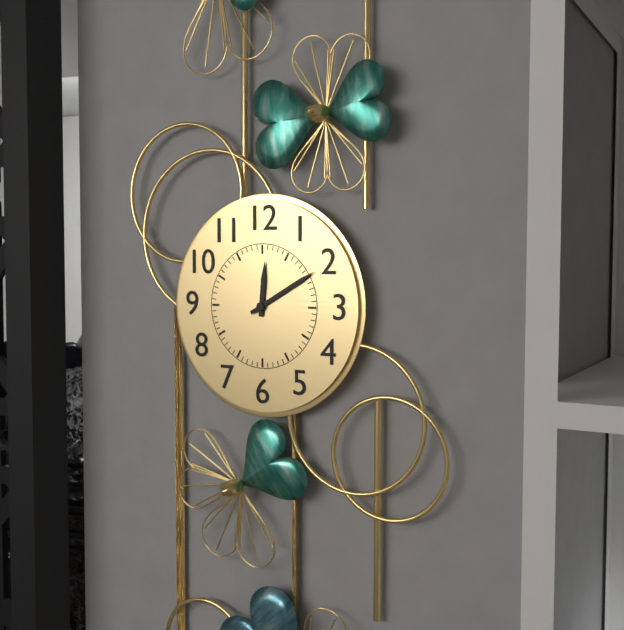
12:10
